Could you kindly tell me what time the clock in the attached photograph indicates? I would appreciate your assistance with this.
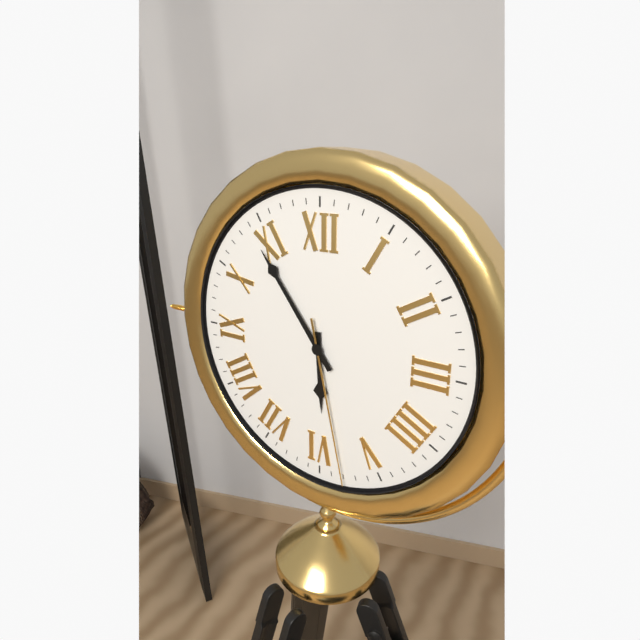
5:54:28
